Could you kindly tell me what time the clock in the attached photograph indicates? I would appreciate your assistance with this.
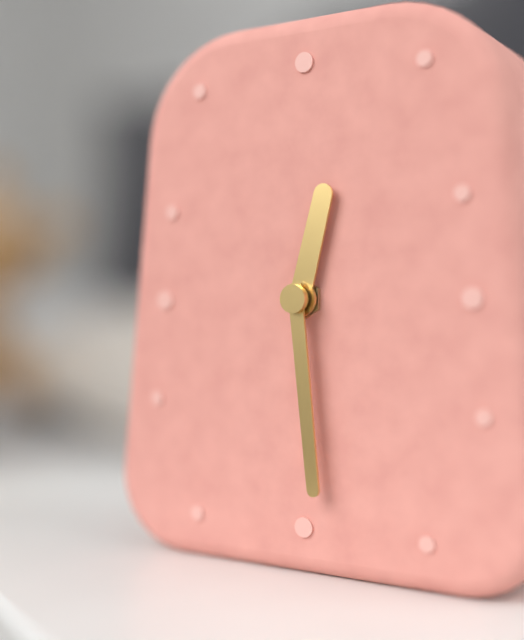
12:29
